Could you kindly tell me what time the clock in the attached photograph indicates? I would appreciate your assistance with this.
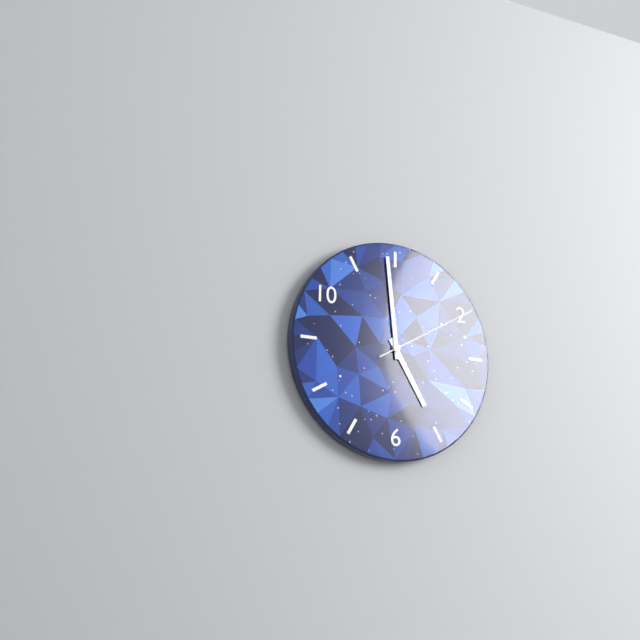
4:59:10
